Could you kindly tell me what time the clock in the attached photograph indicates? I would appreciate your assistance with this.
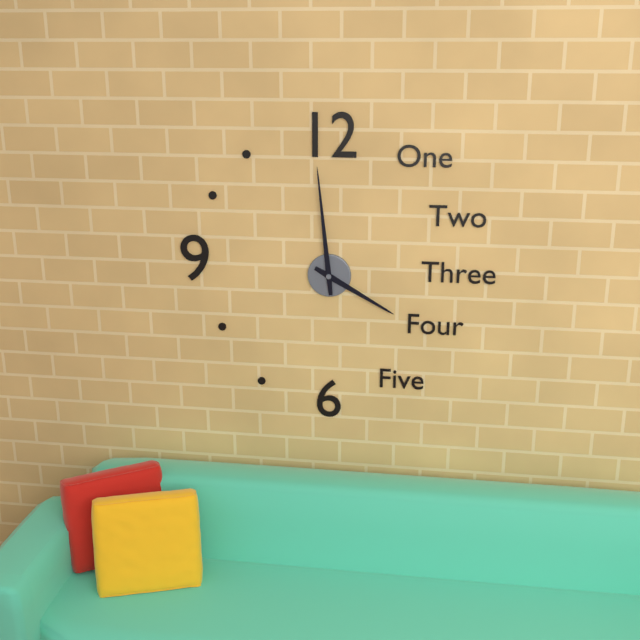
3:59
